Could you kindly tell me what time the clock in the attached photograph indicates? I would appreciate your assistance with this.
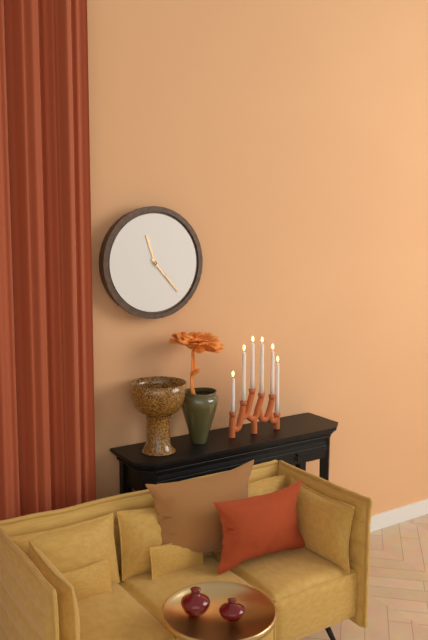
11:23
